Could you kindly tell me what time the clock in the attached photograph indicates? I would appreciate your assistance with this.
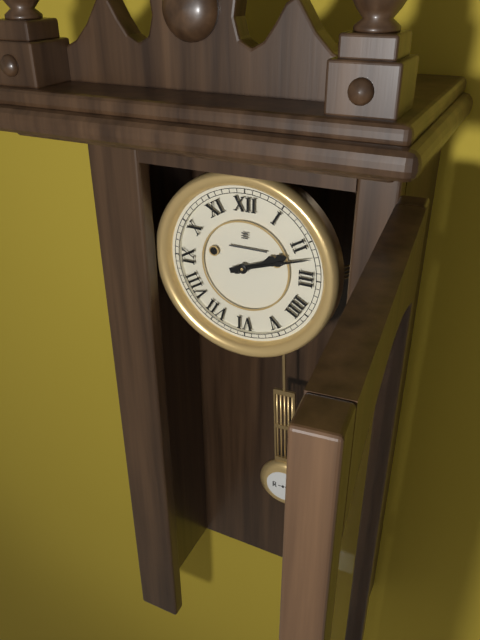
2:12
